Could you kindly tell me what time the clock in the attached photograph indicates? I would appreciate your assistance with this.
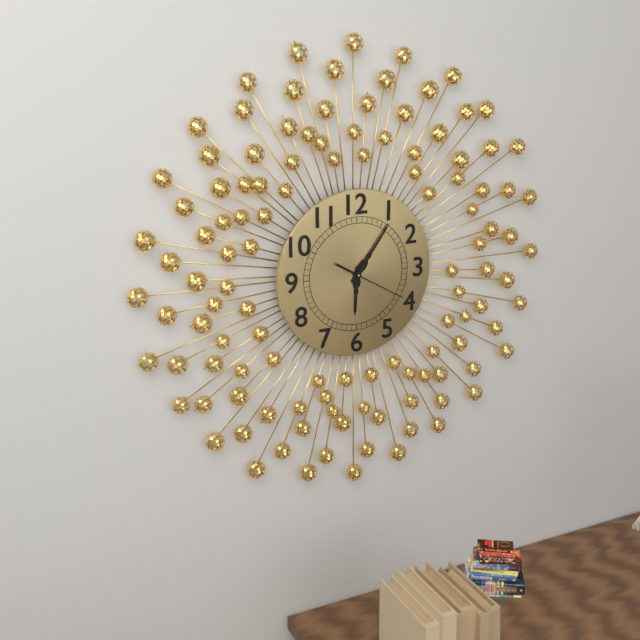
6:06:20
